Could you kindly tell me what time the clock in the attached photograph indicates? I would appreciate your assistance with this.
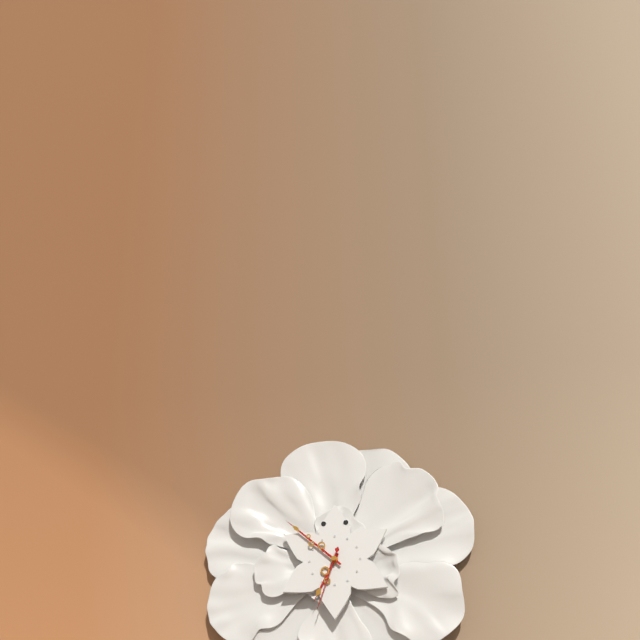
6:52:33
